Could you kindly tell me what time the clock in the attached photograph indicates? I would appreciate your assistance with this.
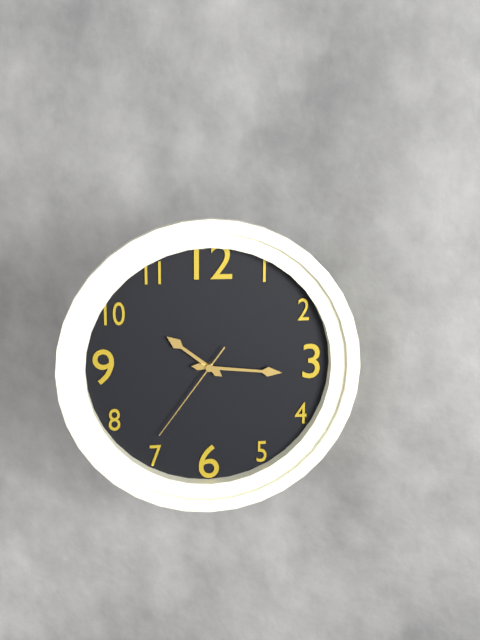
10:16:36
